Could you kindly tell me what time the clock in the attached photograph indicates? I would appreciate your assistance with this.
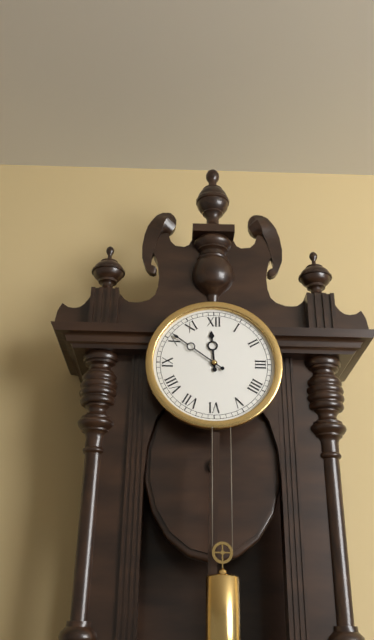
11:51
